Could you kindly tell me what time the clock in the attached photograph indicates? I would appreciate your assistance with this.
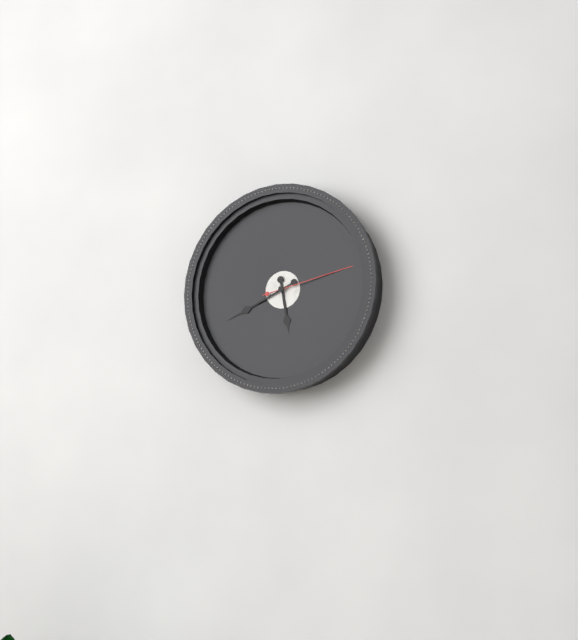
5:41:13
